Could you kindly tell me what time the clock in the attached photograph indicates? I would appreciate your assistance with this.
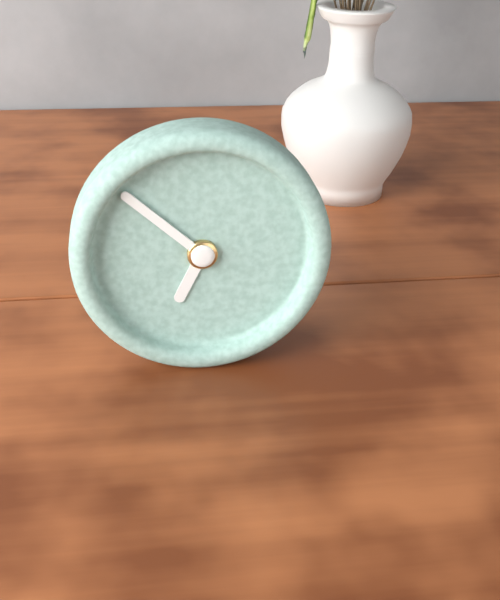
6:52
